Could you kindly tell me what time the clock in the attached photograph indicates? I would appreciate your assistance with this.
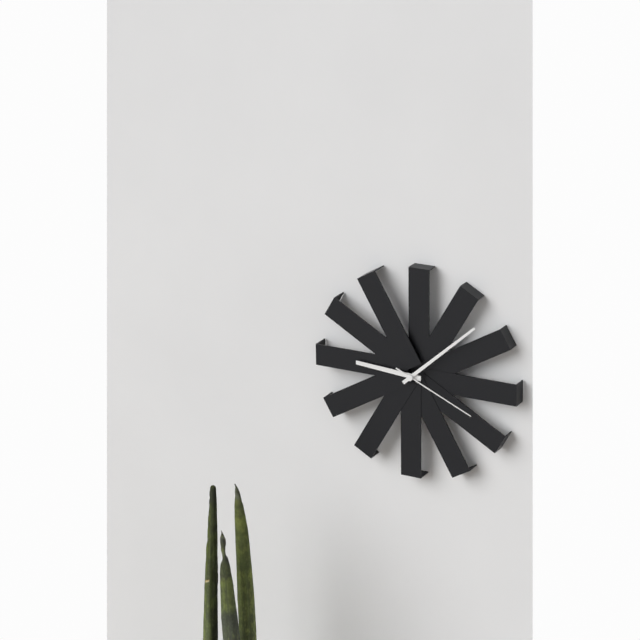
9:08:19
